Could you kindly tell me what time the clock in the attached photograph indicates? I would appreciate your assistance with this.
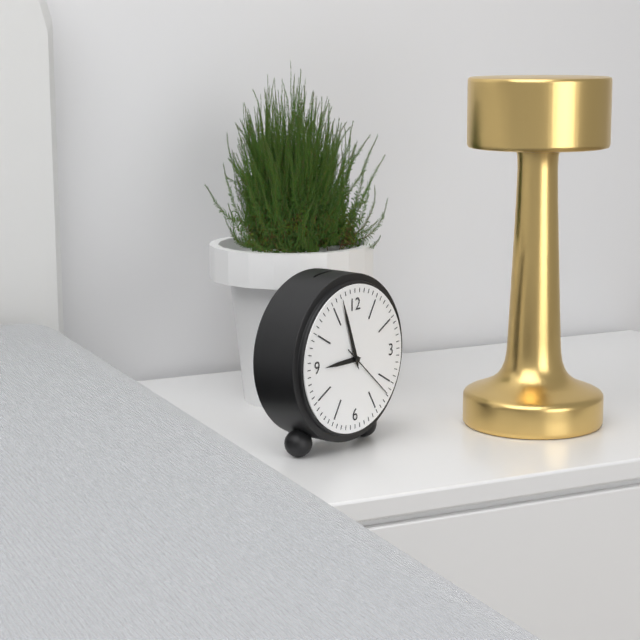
8:57:22
